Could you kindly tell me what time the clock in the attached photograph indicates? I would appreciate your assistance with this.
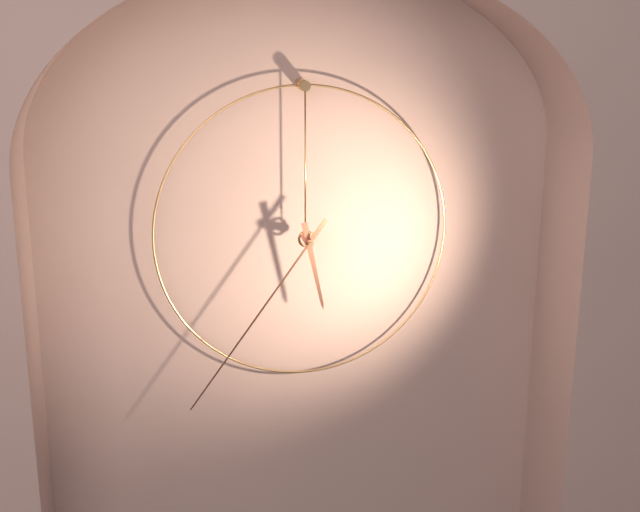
5:36
